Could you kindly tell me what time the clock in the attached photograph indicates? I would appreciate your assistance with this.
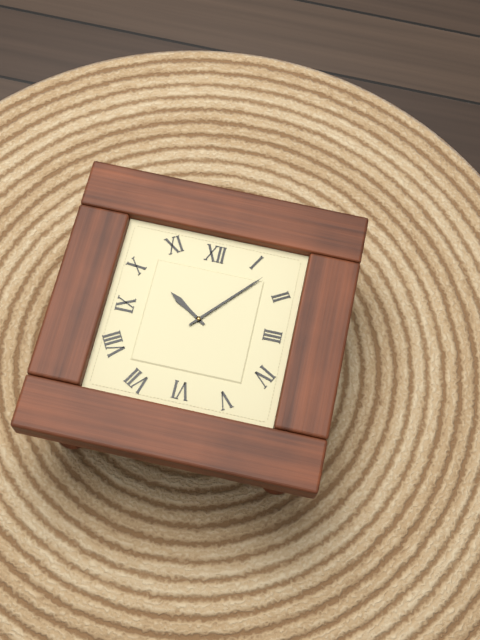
10:07
